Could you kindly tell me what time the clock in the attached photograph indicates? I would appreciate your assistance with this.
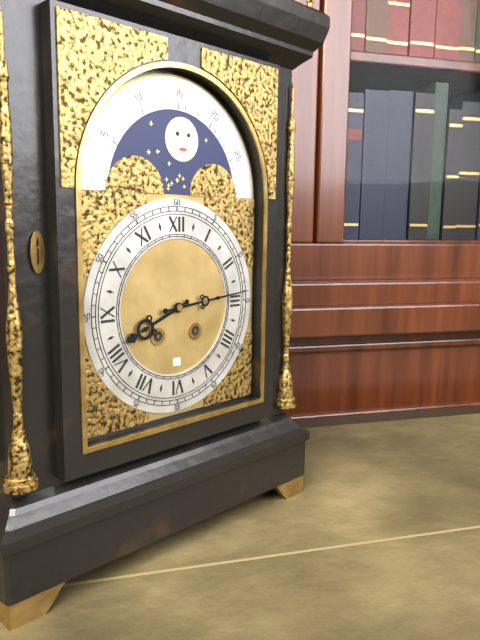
8:14
